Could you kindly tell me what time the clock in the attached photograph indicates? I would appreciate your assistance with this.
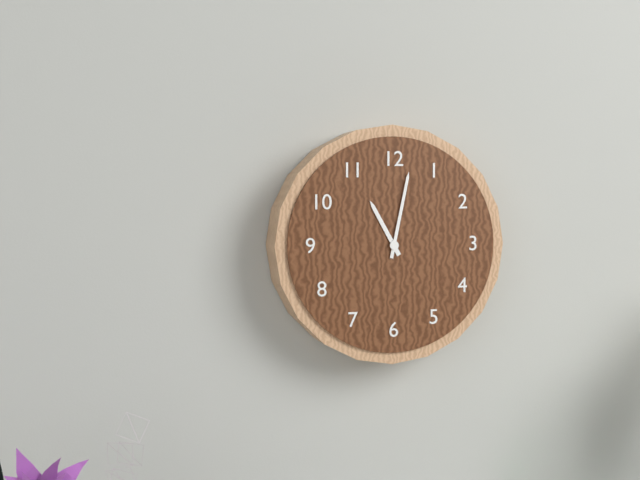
11:02
